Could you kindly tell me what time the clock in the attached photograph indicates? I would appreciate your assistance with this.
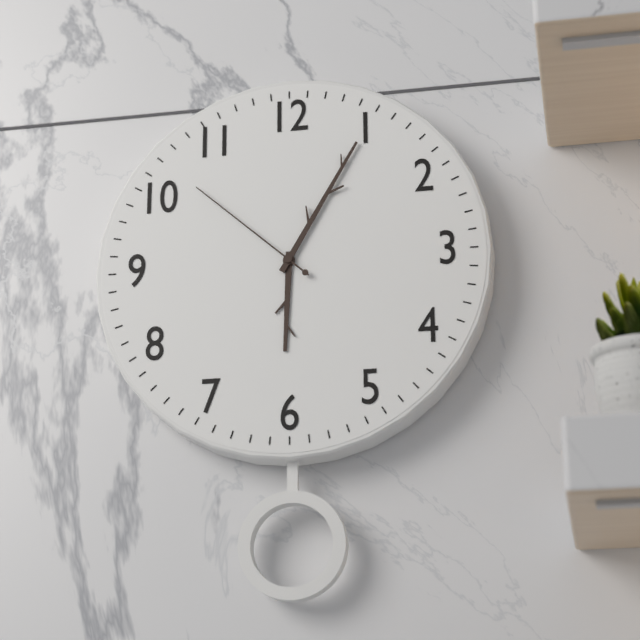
6:05:52
